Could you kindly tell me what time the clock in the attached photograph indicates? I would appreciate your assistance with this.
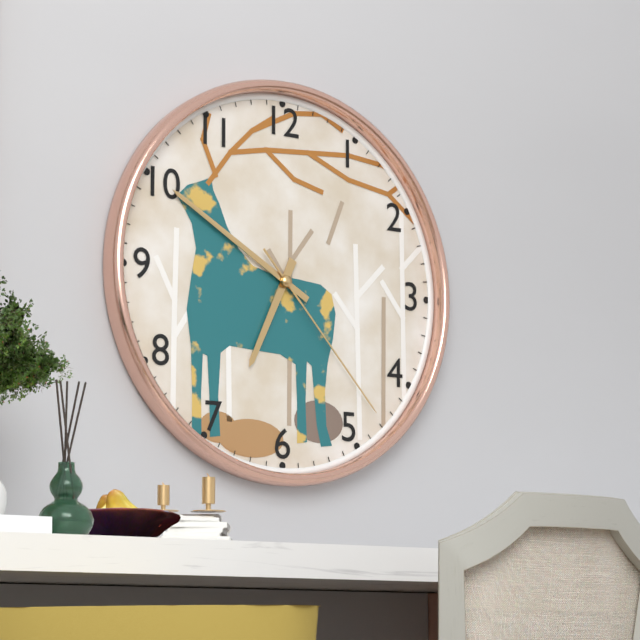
6:50:23
